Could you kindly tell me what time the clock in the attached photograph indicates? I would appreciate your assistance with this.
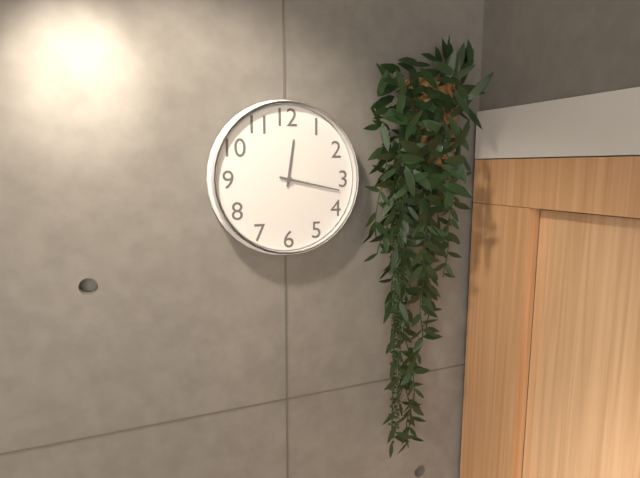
12:17
